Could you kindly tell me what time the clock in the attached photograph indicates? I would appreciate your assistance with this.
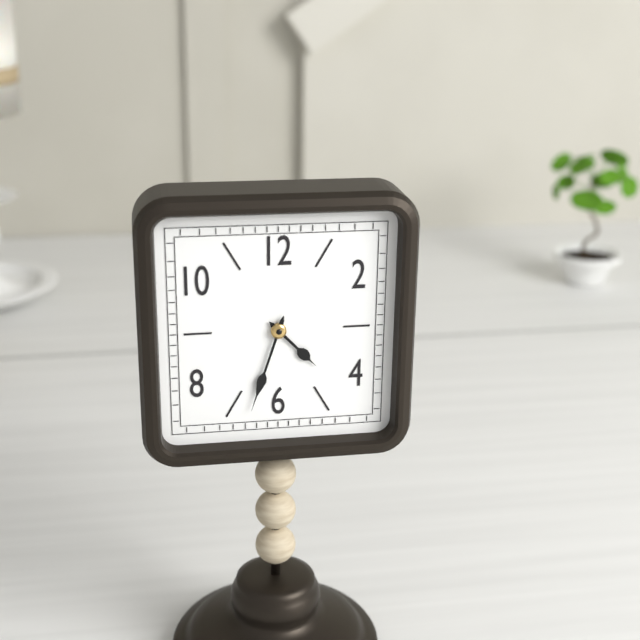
4:33
